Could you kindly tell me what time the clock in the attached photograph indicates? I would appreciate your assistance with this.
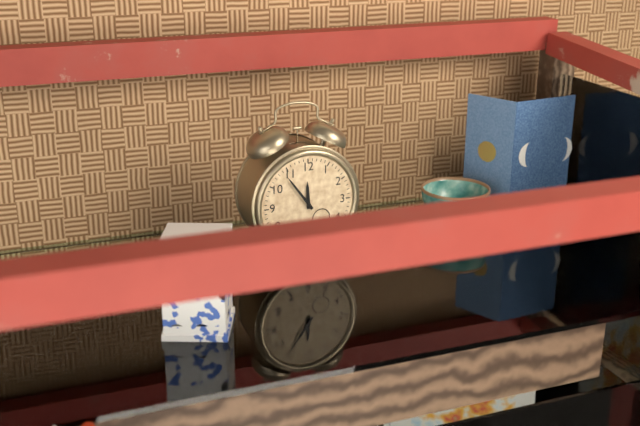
11:54
